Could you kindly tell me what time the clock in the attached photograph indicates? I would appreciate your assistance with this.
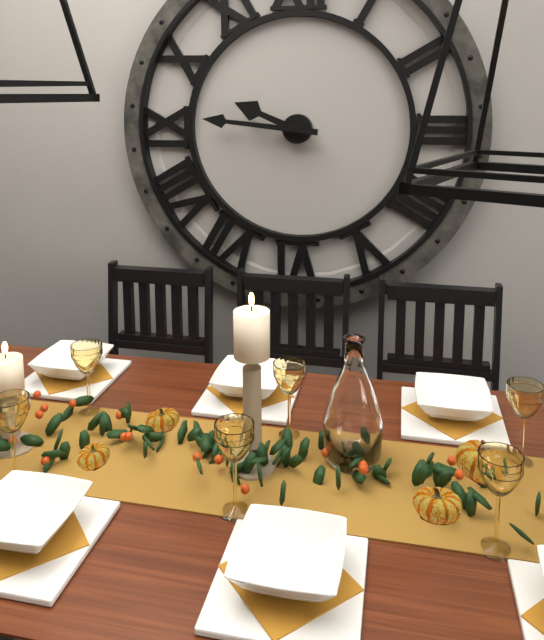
9:46
